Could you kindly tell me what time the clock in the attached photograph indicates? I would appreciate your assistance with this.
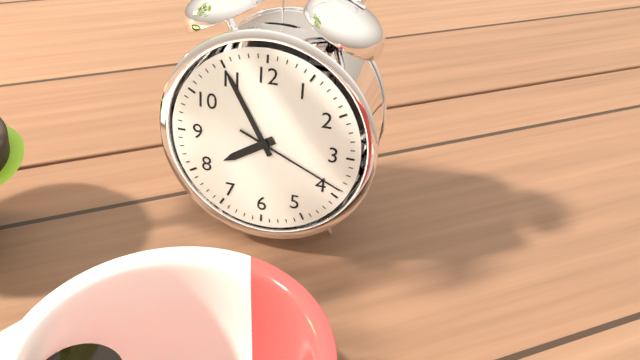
7:55:19
